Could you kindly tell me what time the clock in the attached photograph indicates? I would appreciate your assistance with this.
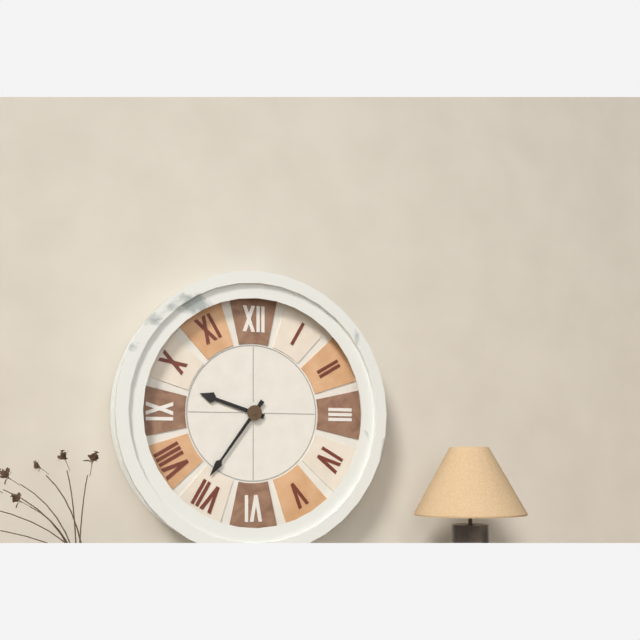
9:36
